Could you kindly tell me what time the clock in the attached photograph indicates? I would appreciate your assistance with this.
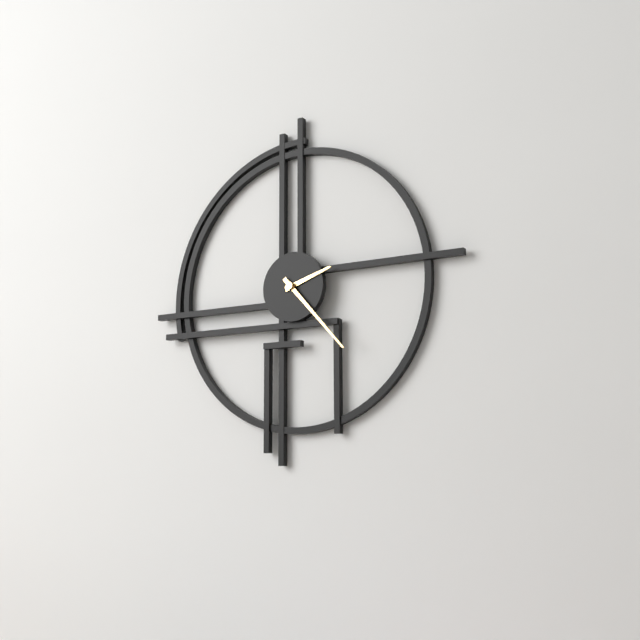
2:23
